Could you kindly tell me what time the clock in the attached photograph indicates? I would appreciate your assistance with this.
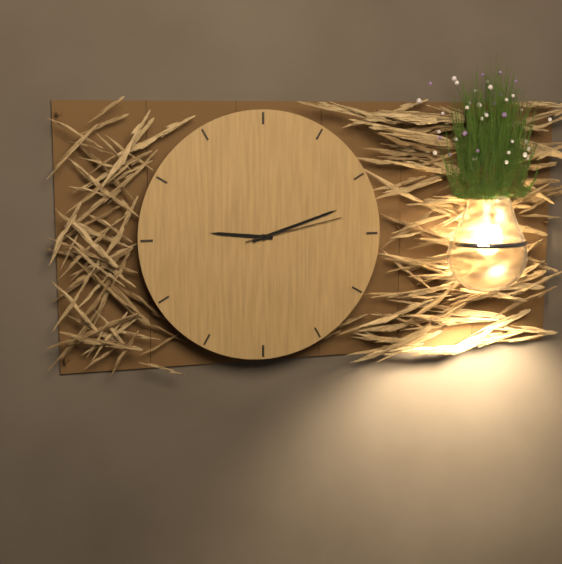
9:12:13
